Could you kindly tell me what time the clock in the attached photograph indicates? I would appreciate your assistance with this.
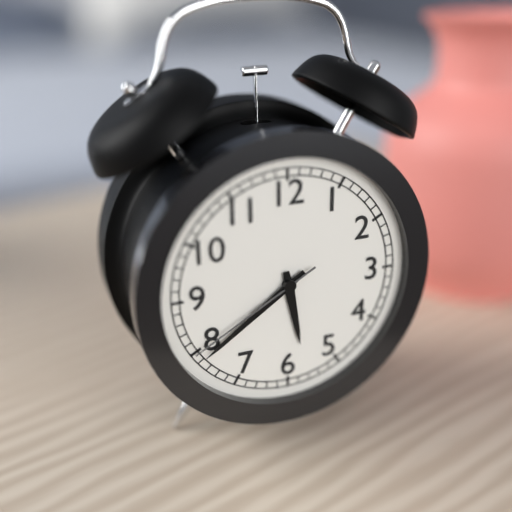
5:39:40
